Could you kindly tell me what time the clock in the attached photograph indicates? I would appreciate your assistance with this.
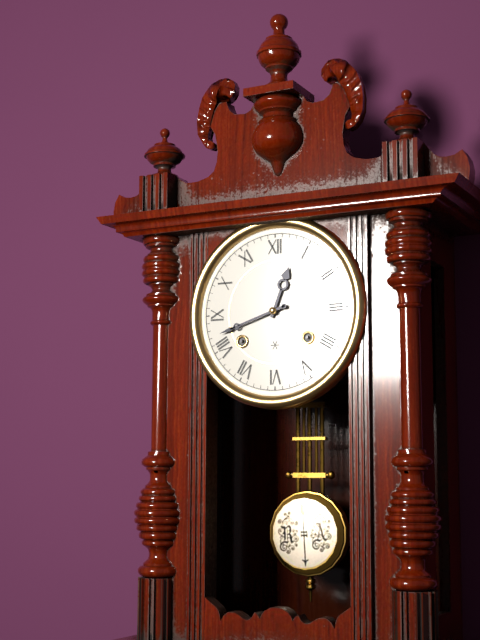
12:42
